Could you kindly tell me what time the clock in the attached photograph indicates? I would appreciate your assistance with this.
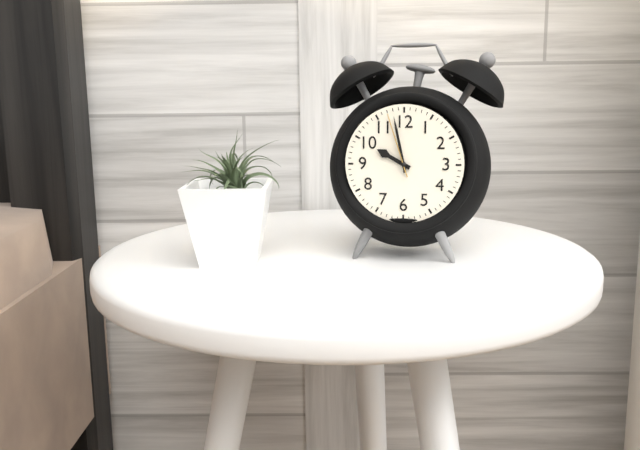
9:58:57
